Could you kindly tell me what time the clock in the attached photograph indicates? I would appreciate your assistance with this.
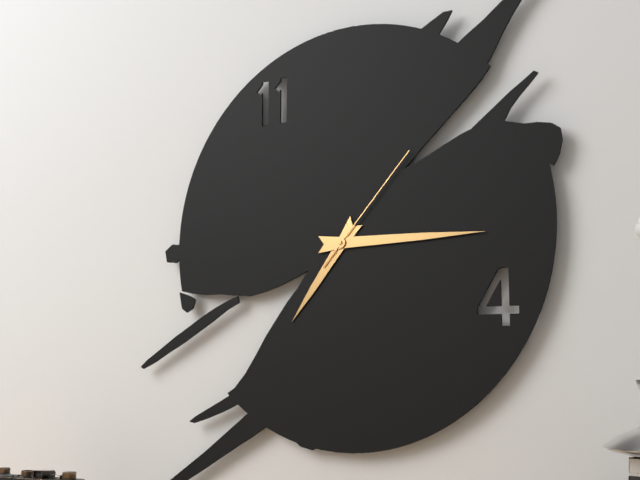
7:15:07
